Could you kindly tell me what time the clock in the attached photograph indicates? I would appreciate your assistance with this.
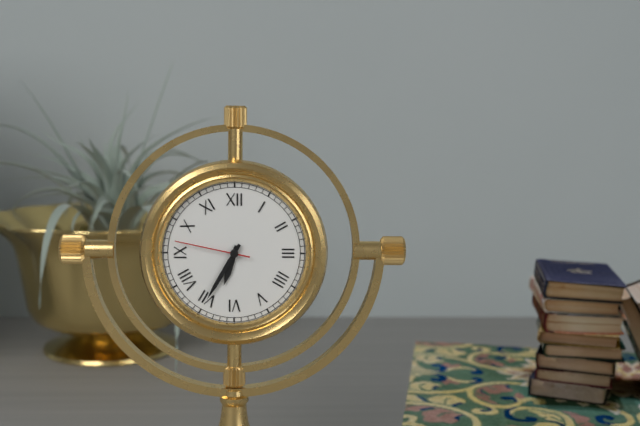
6:35:47
